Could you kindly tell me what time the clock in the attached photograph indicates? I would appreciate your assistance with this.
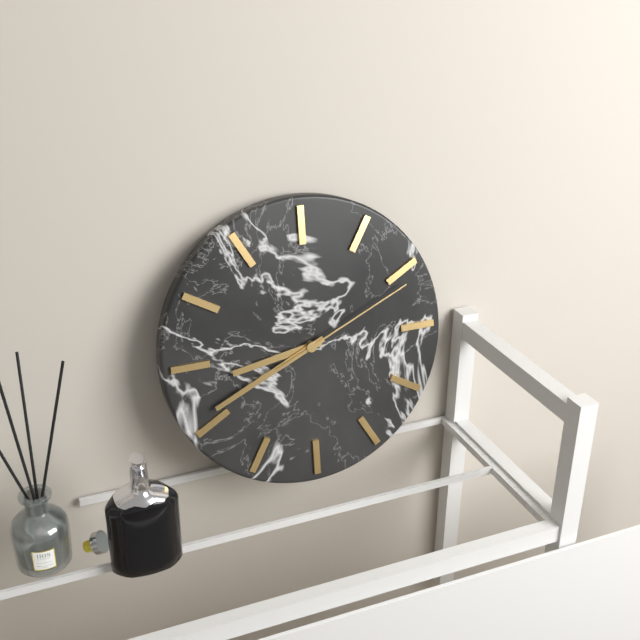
8:41:11
